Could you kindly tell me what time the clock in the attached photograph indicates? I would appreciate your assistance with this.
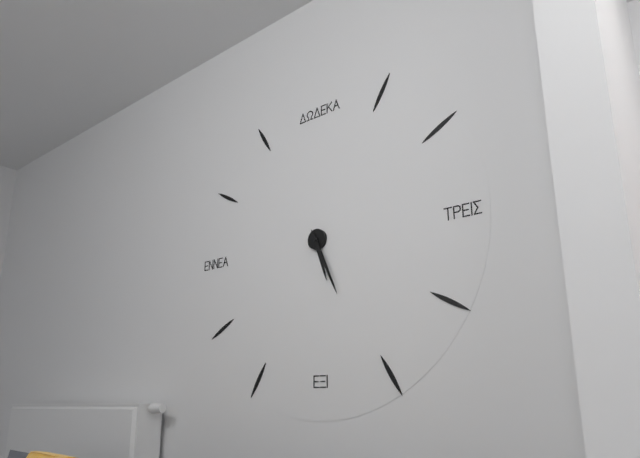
5:26
